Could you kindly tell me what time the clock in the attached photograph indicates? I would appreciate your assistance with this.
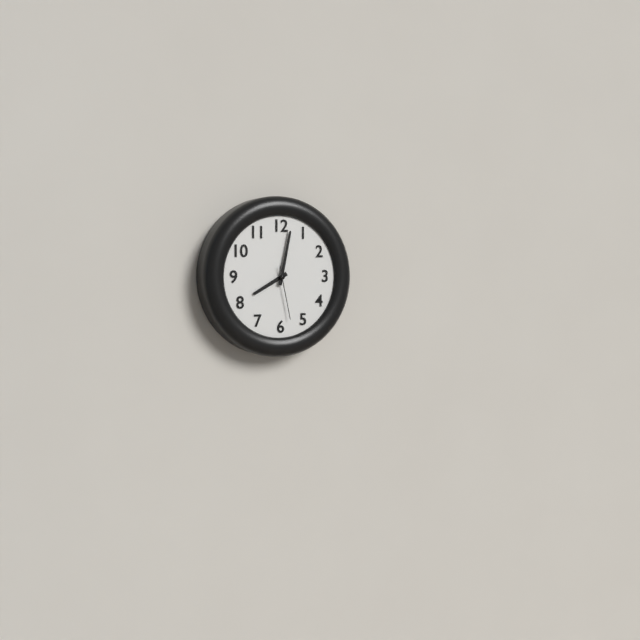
8:02:28
